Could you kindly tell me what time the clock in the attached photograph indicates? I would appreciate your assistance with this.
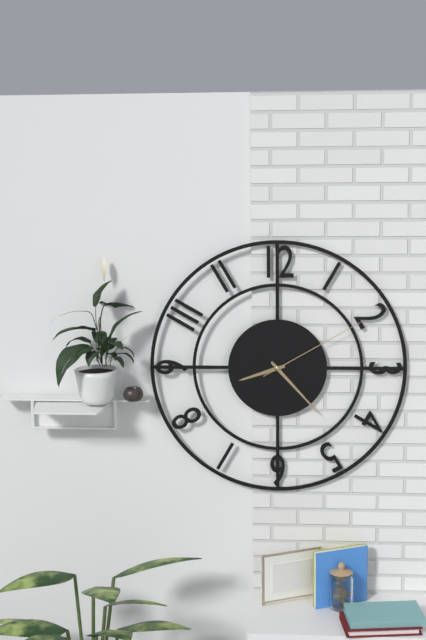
8:23:10
